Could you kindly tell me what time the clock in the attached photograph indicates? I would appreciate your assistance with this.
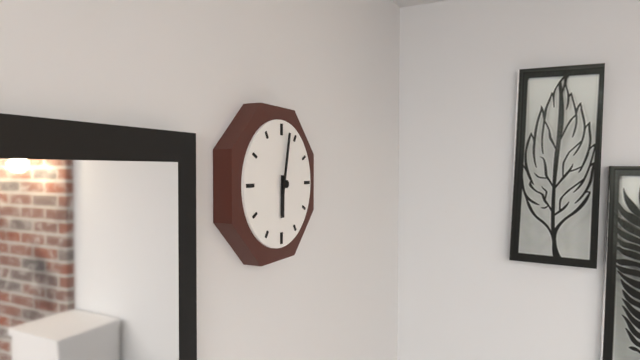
6:02
